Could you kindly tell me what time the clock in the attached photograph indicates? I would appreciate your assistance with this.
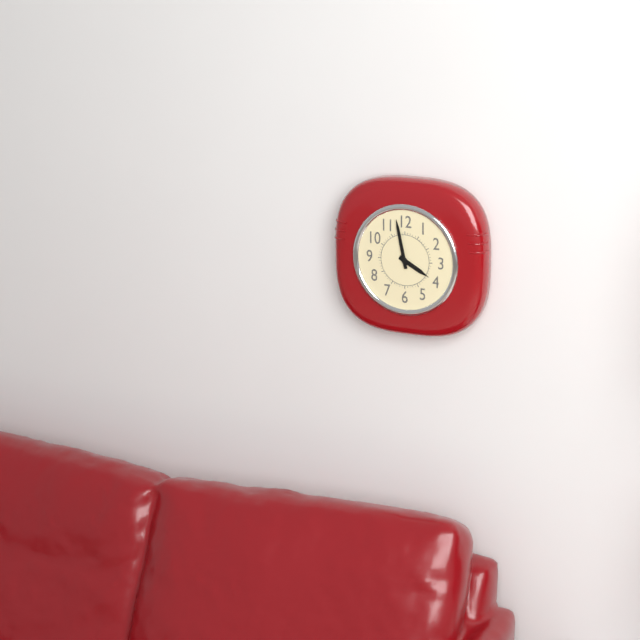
3:58
